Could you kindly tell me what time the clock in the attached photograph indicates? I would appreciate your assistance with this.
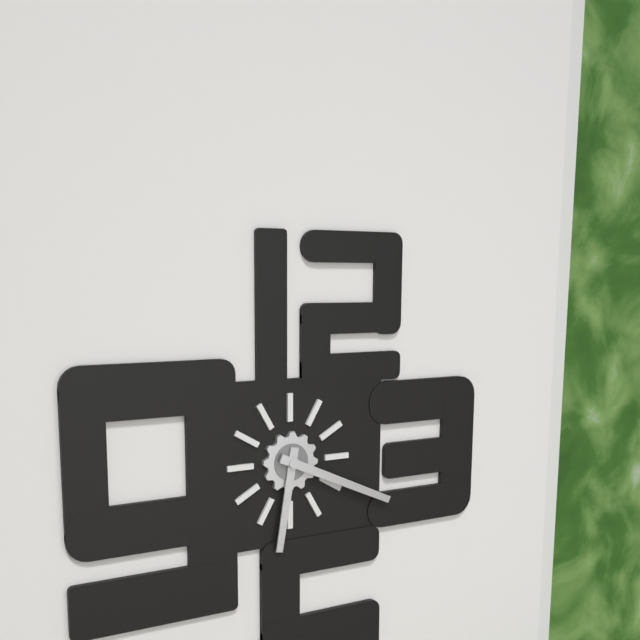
6:19
